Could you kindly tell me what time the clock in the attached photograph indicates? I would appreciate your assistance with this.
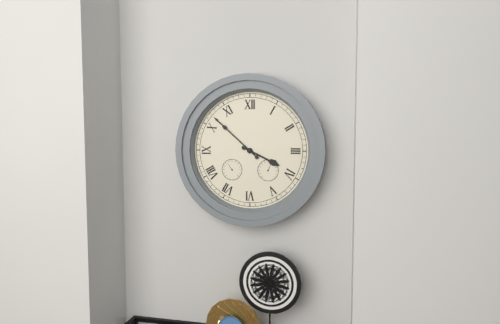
3:52
